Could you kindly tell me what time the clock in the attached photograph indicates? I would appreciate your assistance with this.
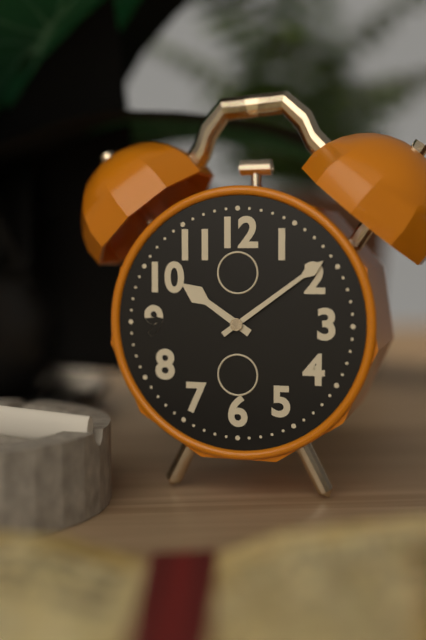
10:09
